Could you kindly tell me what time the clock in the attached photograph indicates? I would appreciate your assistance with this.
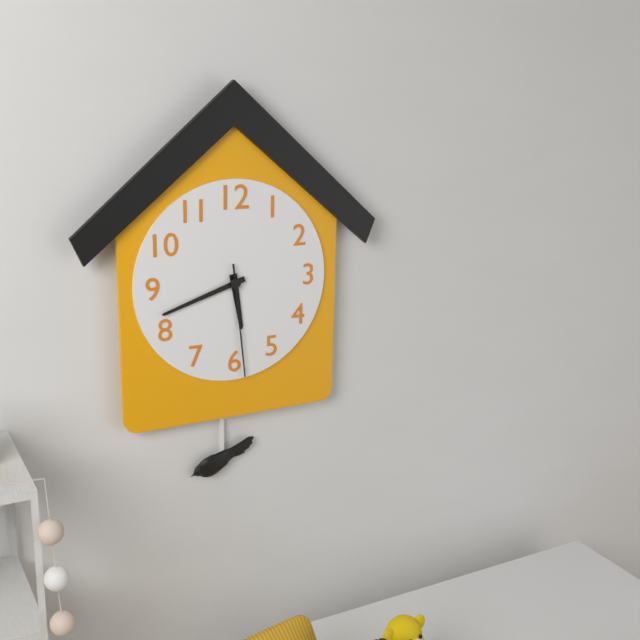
5:42:29
